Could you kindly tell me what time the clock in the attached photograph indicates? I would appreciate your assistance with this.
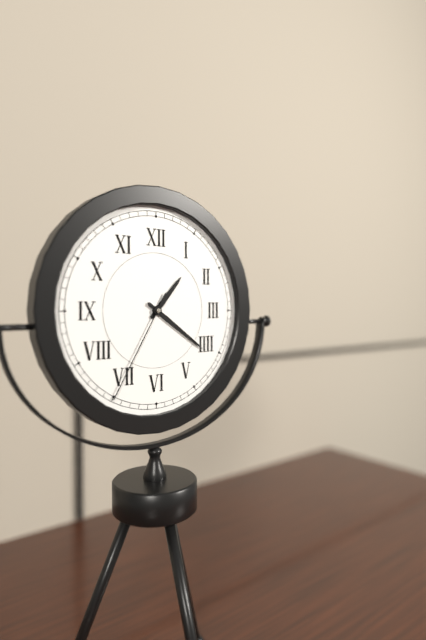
1:21:35
